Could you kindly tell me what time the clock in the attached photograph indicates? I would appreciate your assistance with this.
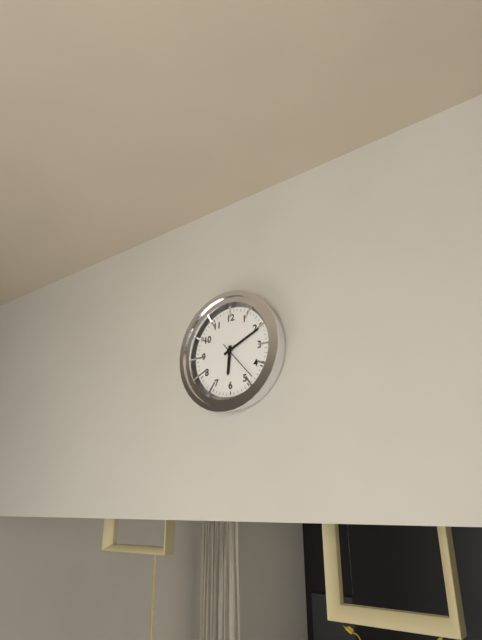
6:11
